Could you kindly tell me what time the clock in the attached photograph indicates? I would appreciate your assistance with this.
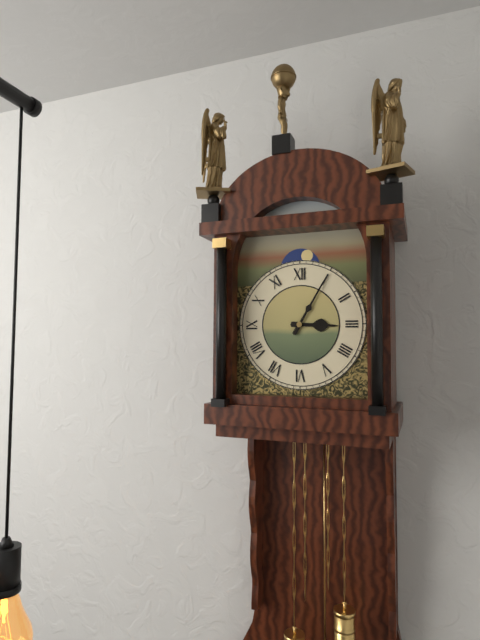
3:05
